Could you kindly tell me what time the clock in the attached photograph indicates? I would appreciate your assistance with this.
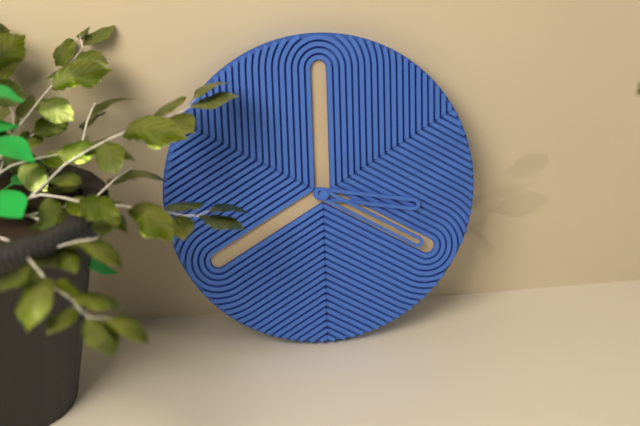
3:20
